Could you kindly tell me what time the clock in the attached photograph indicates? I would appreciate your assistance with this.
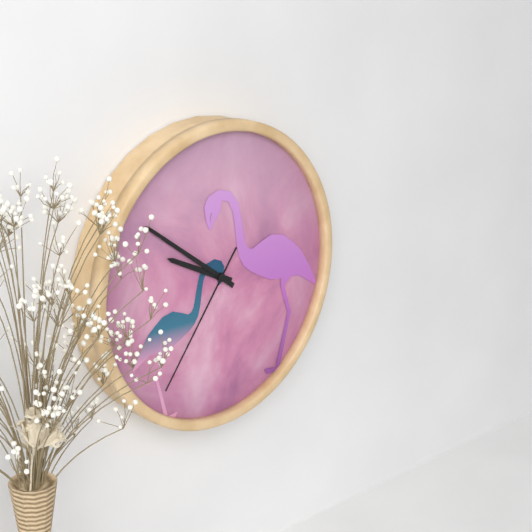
9:51:36
